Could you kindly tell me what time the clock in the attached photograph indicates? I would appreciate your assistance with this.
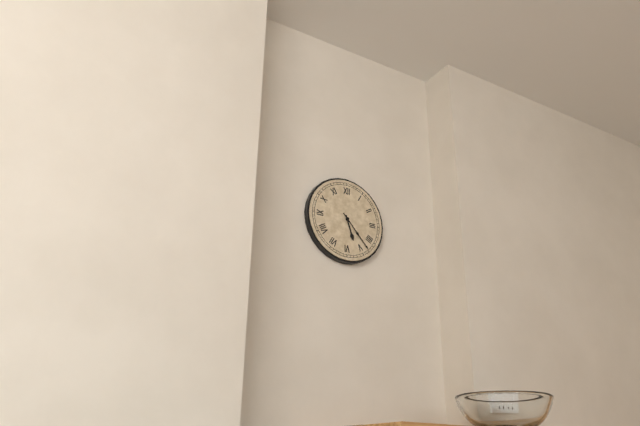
5:23
